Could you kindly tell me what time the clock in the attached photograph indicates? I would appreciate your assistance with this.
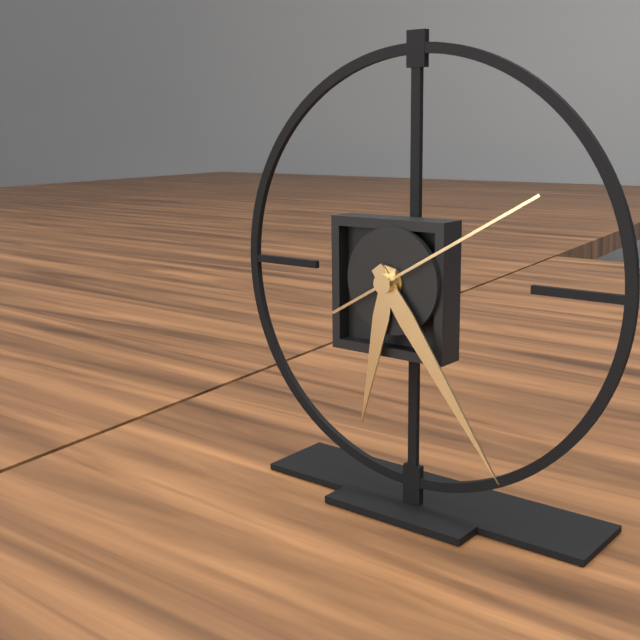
6:24:10
